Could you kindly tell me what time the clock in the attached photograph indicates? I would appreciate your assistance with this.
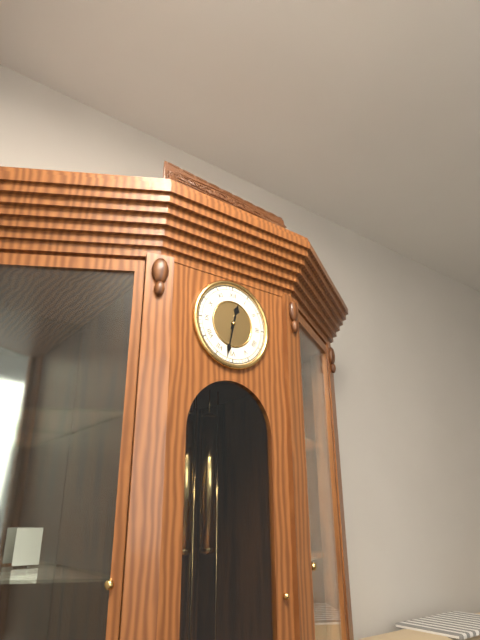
12:32
